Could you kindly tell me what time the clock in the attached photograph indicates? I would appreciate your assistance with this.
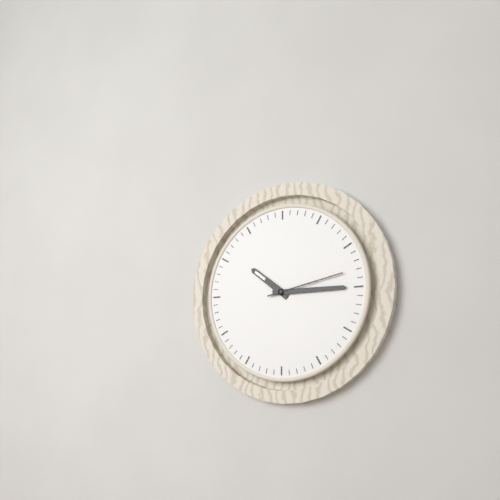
10:15:13
